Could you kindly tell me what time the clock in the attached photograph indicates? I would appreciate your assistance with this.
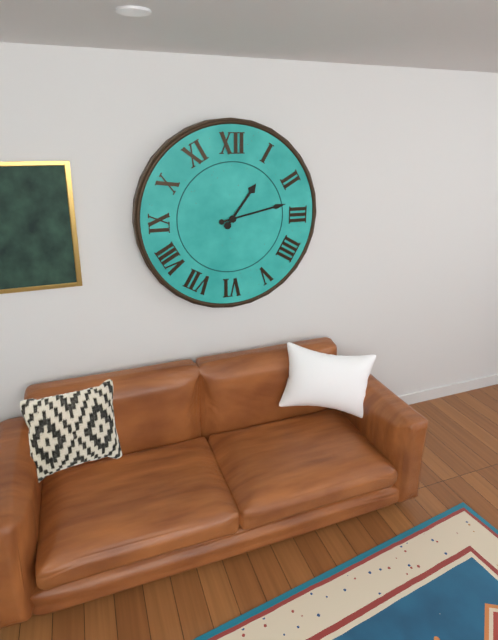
1:13
